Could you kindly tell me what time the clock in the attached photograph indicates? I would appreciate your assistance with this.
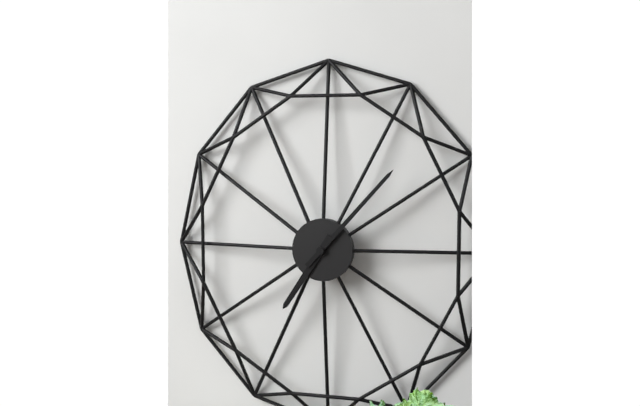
7:07
